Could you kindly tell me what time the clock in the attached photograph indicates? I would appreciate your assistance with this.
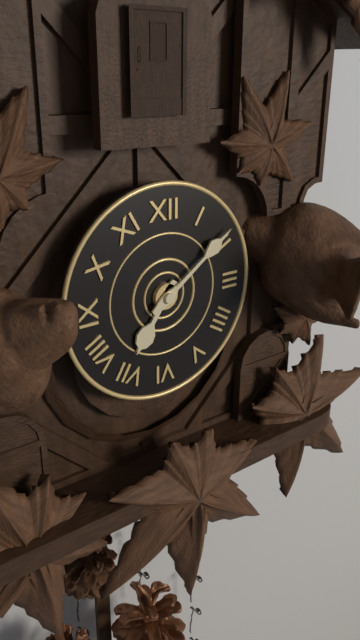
7:09
